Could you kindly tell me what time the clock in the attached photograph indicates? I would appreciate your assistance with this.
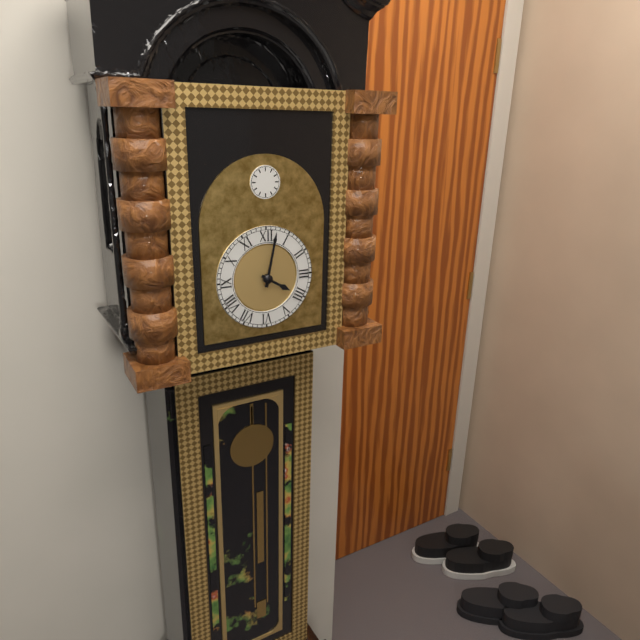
4:02
